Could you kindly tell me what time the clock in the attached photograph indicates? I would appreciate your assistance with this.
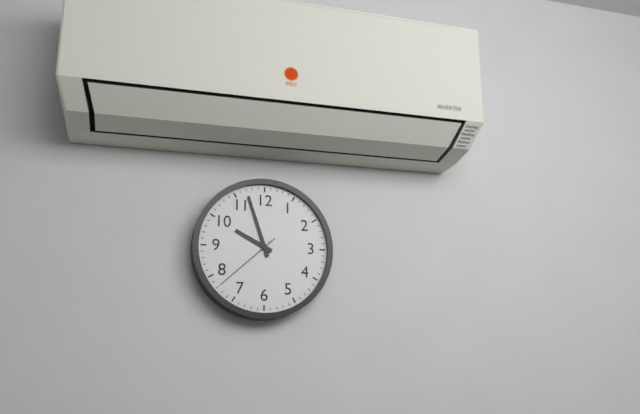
9:57:38
